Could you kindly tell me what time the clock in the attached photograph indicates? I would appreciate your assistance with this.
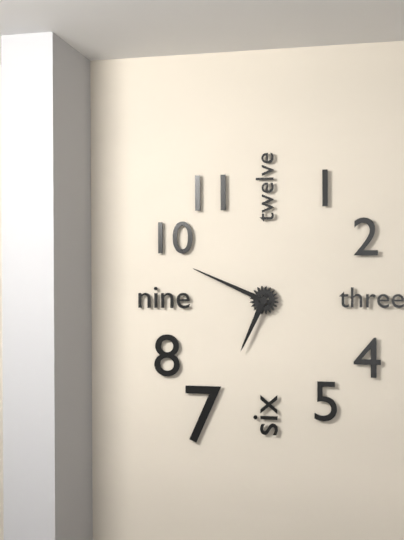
6:49
